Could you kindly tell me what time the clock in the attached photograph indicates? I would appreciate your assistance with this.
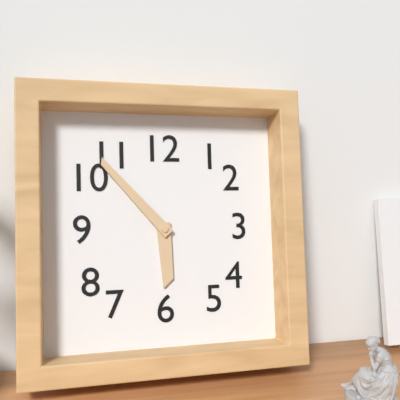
5:53
